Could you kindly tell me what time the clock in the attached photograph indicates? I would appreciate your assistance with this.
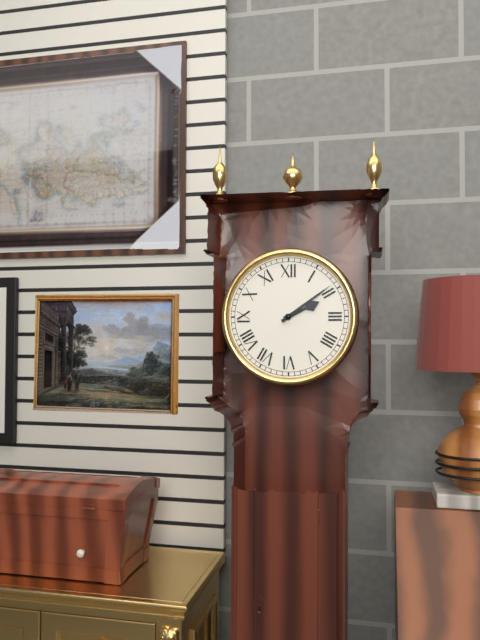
2:09
